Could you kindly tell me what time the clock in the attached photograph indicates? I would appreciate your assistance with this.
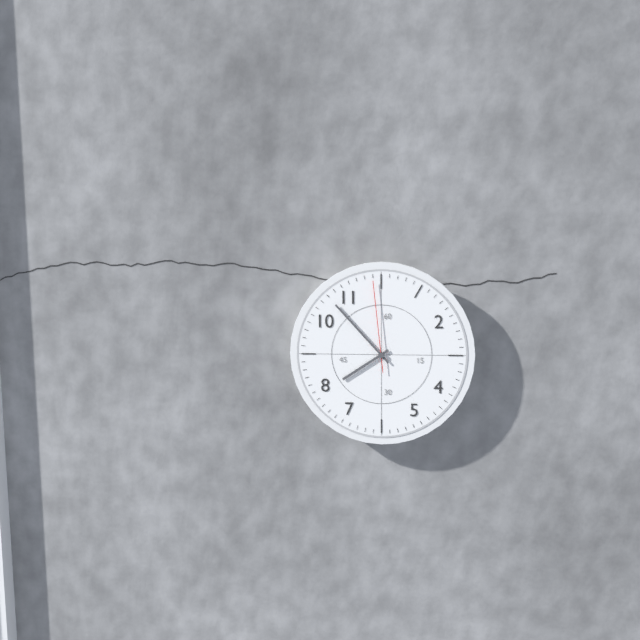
7:53:59
